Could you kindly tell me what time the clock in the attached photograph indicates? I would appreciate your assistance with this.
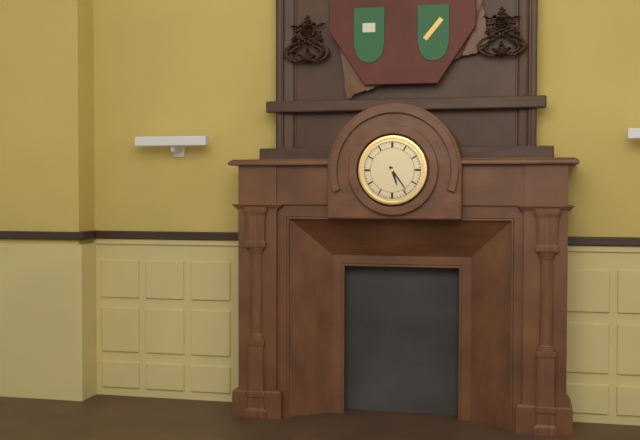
5:24
